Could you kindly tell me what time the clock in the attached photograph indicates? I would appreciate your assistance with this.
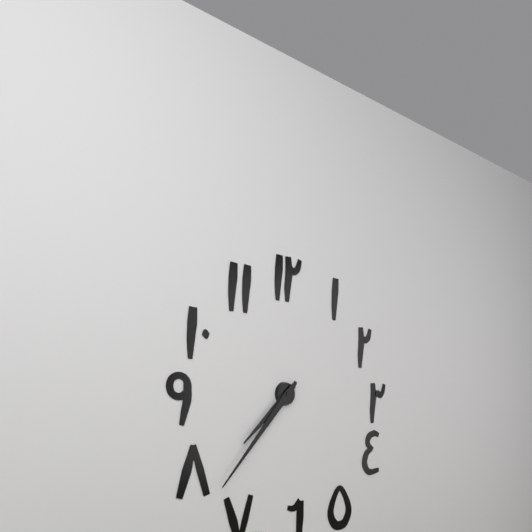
7:37
